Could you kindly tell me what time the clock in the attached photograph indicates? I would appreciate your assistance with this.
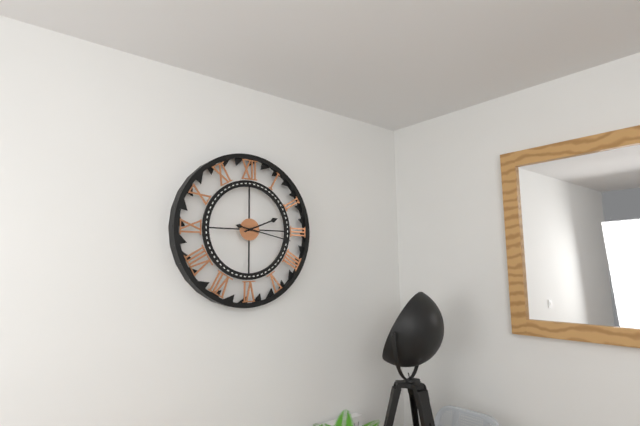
2:17
